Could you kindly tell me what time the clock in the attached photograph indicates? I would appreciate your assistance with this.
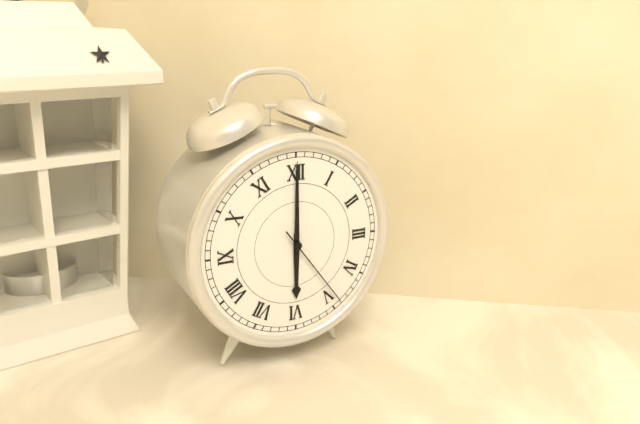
6:00:24
